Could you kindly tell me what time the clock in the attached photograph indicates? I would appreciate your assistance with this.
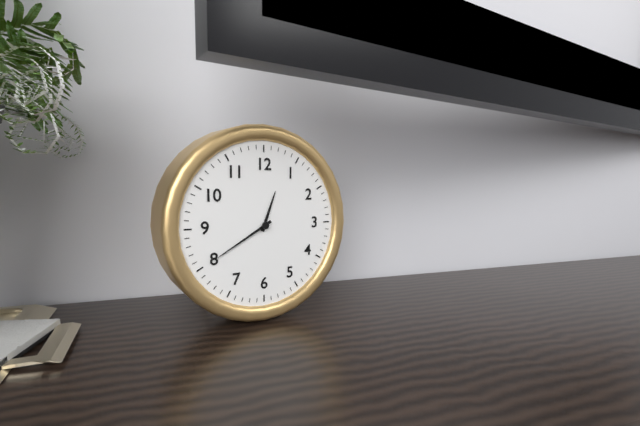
12:40
